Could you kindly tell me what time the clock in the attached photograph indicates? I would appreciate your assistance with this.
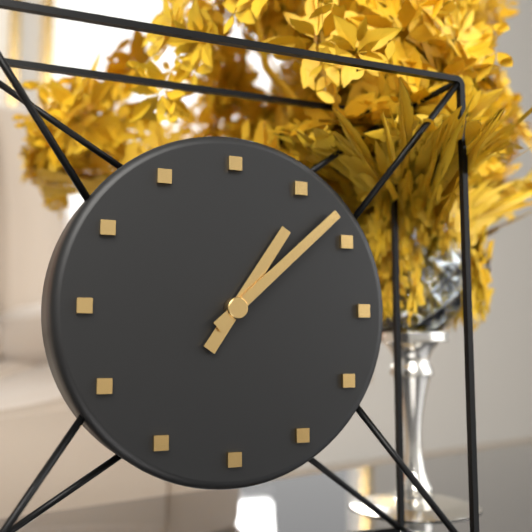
1:08
